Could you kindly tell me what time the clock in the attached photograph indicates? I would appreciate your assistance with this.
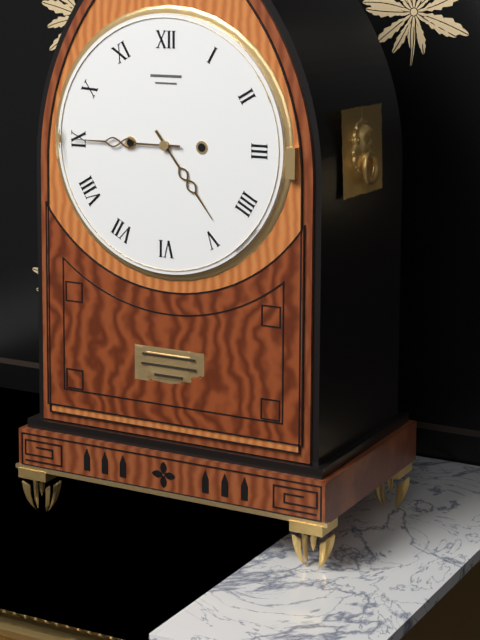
4:45
